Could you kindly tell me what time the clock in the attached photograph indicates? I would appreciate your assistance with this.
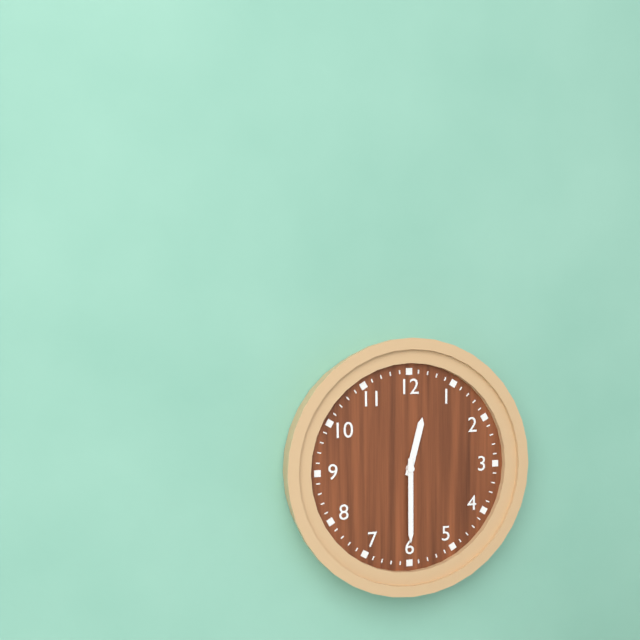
12:30
